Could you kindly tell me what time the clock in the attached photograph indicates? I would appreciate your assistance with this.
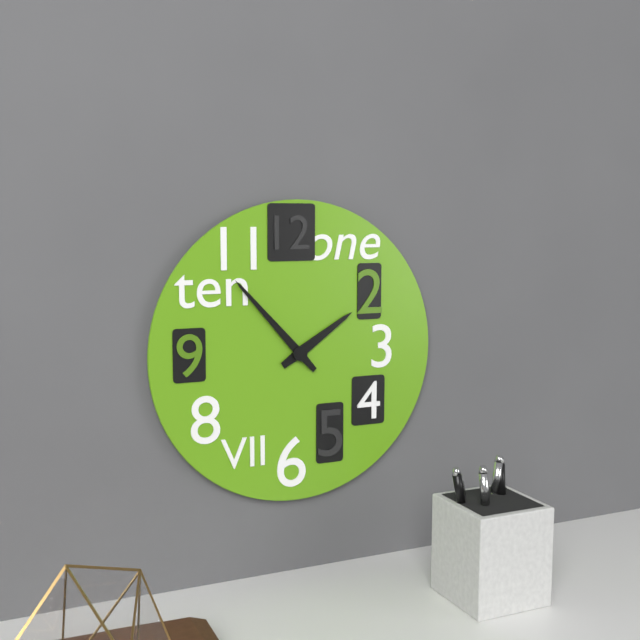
1:53
